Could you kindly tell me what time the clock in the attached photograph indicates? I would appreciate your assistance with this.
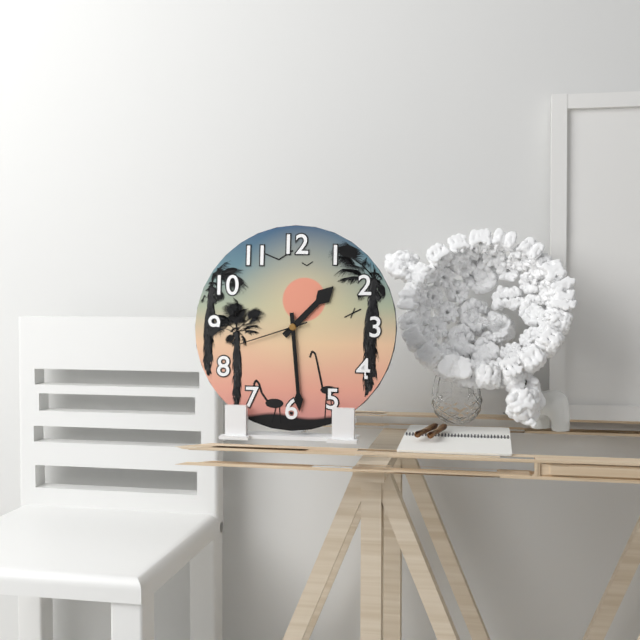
1:29:42
